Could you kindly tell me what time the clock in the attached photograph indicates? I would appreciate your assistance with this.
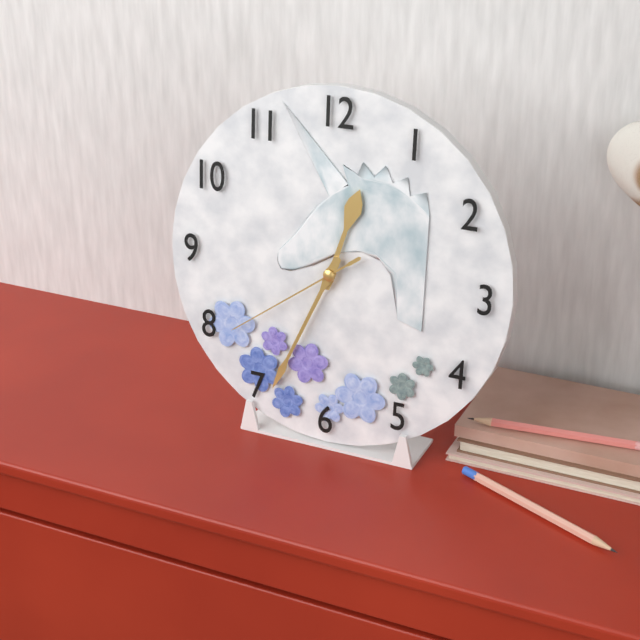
12:34:39
